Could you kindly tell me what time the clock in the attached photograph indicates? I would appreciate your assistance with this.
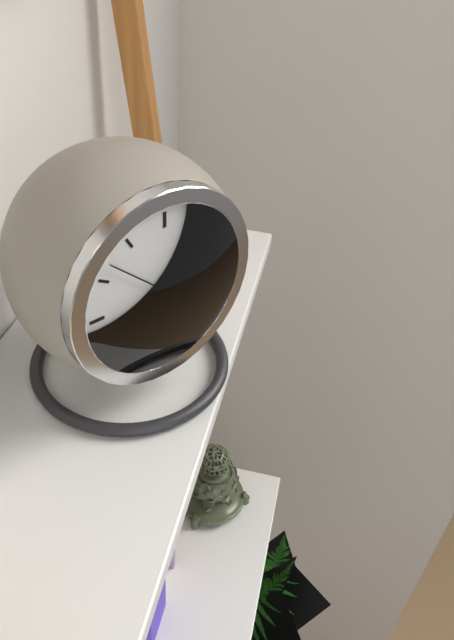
7:43:52
